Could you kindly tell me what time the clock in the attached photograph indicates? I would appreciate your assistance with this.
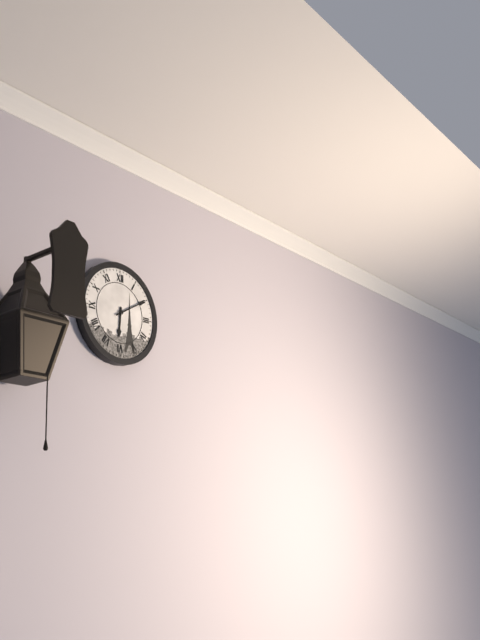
6:10
